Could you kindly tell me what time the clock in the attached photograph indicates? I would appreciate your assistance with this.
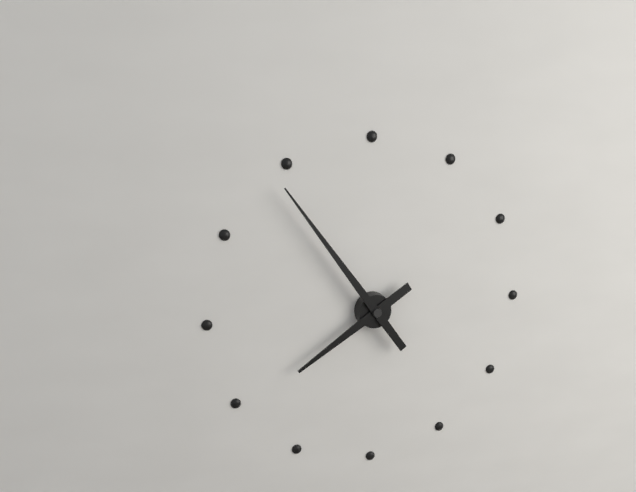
7:54
